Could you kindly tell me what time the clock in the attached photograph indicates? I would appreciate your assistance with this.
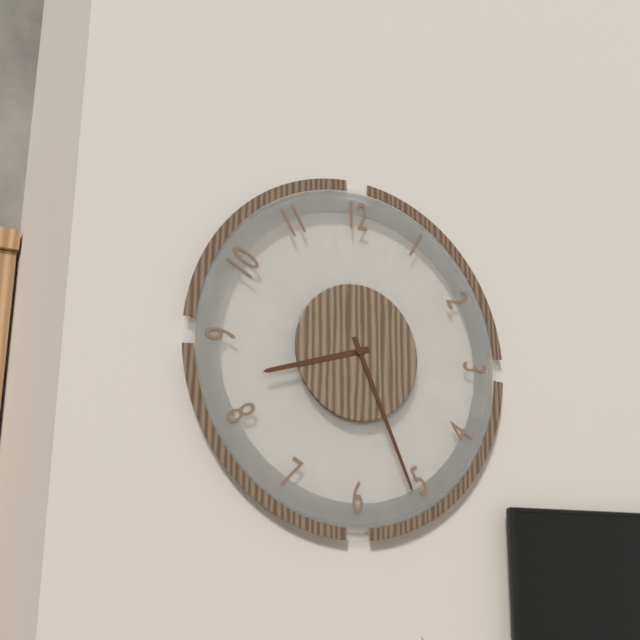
8:26
